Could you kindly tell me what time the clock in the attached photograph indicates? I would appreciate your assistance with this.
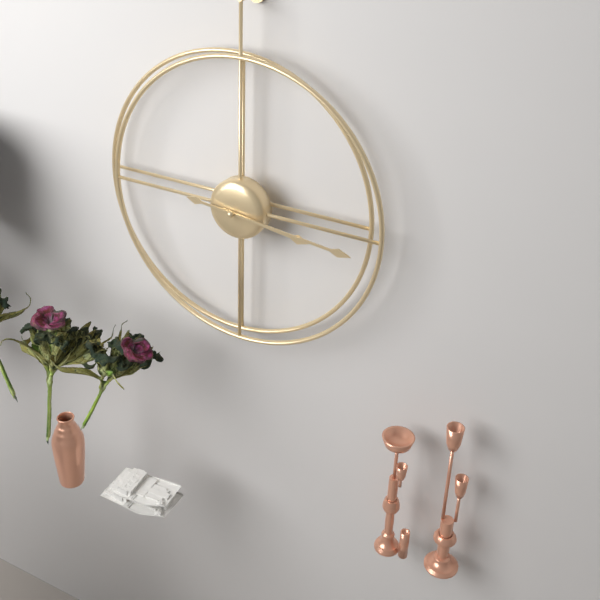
3:16
